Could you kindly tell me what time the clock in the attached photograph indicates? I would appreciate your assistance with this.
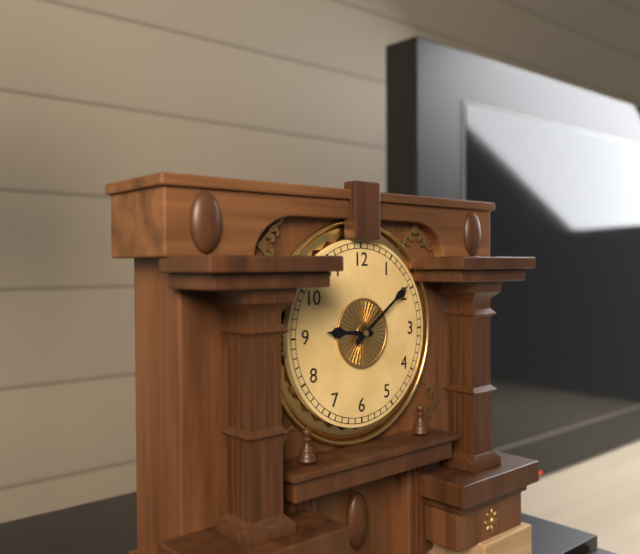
9:09
